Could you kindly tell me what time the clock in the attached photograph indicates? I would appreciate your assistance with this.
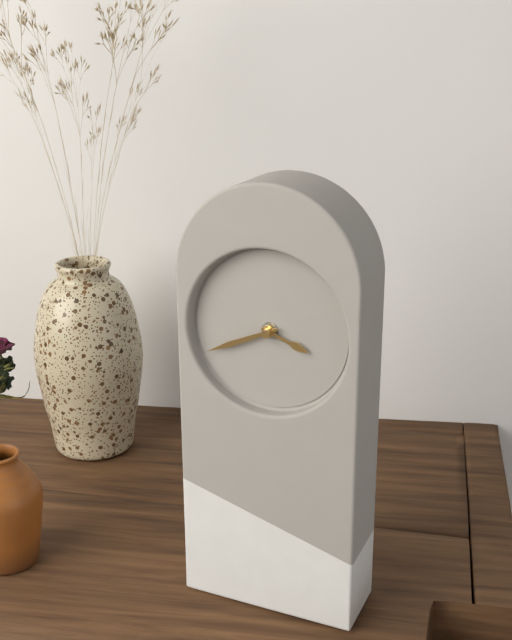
3:41
